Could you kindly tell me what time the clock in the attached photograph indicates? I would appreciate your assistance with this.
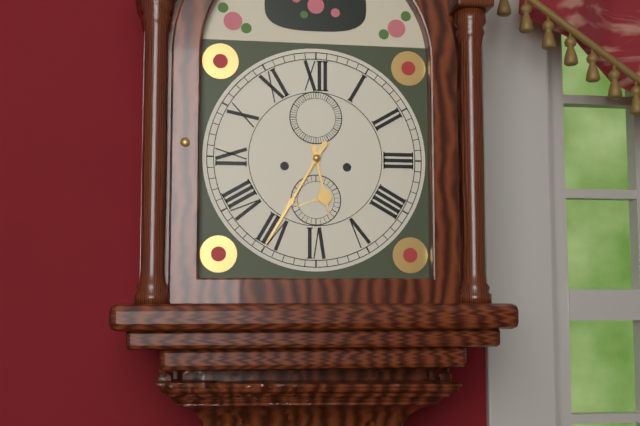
5:35
